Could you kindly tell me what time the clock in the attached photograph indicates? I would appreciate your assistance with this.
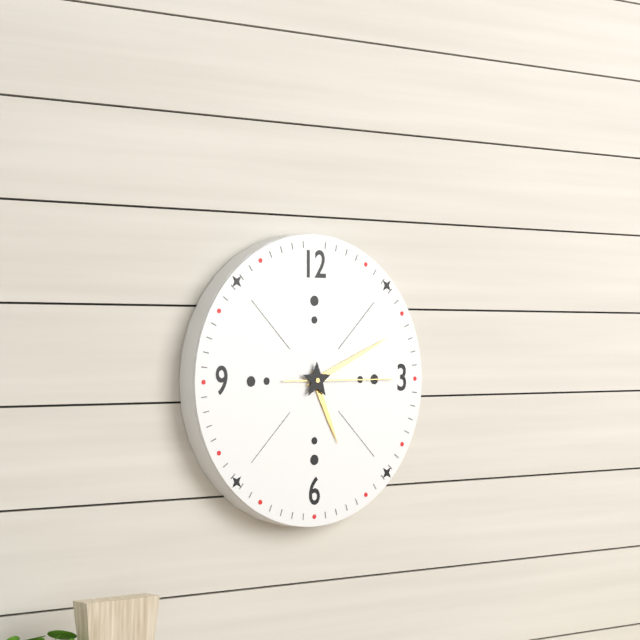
5:11:15
